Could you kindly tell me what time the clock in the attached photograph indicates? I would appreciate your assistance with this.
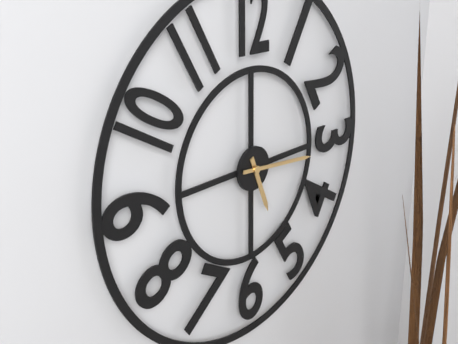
5:16
